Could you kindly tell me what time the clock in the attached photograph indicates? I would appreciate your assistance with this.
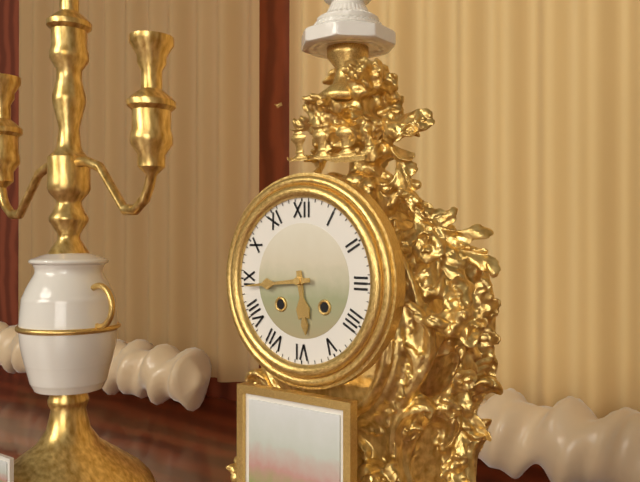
5:44
